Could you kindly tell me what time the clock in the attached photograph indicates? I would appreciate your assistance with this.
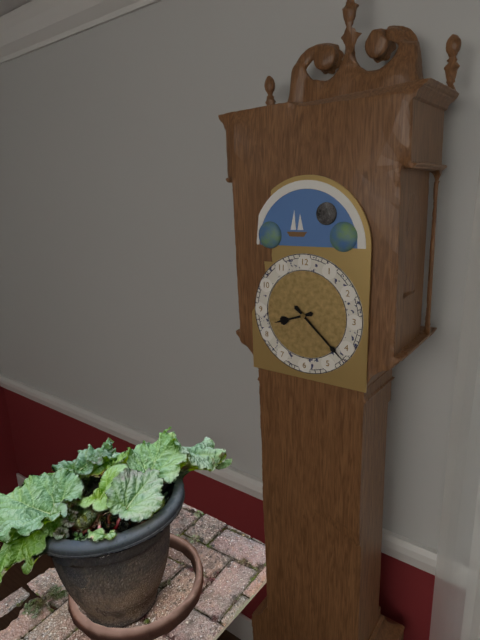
8:22
